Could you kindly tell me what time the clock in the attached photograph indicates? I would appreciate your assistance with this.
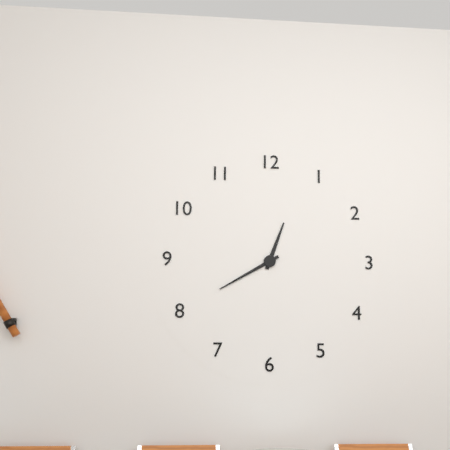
12:40
